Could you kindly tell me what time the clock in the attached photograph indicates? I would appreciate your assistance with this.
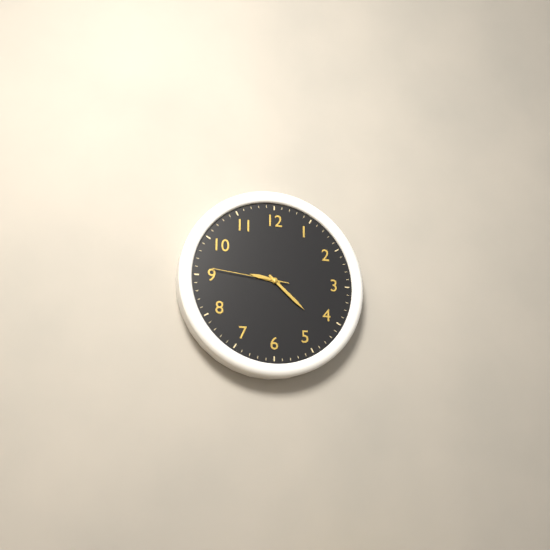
9:22:46
